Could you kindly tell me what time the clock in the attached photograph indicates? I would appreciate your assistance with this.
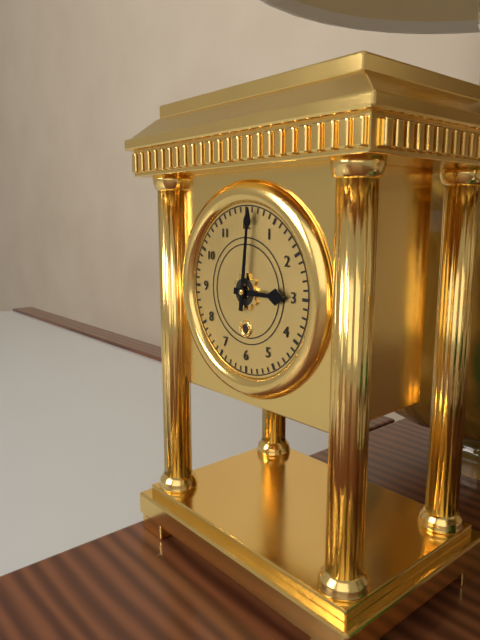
3:01
